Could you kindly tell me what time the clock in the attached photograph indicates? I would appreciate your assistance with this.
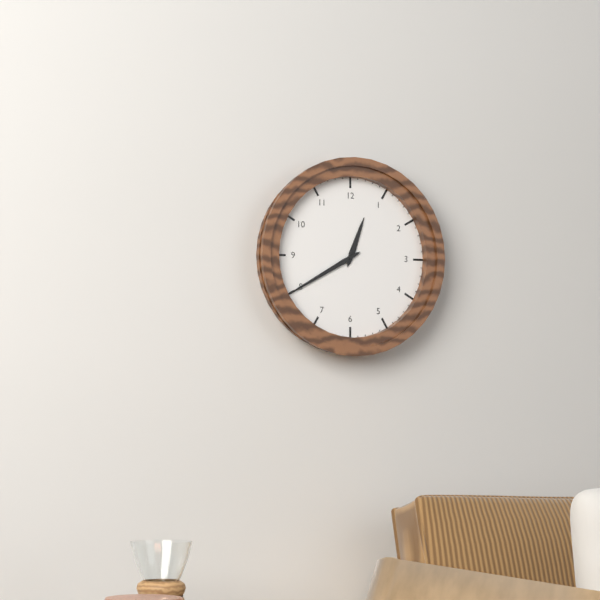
12:40
